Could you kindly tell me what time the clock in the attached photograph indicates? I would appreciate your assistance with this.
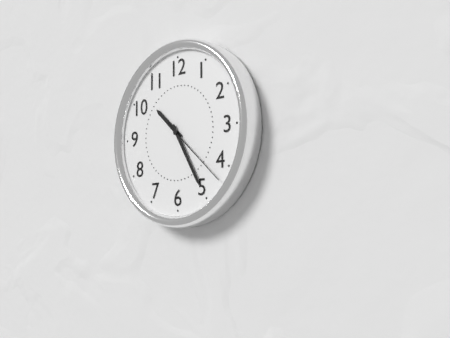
10:25:22
